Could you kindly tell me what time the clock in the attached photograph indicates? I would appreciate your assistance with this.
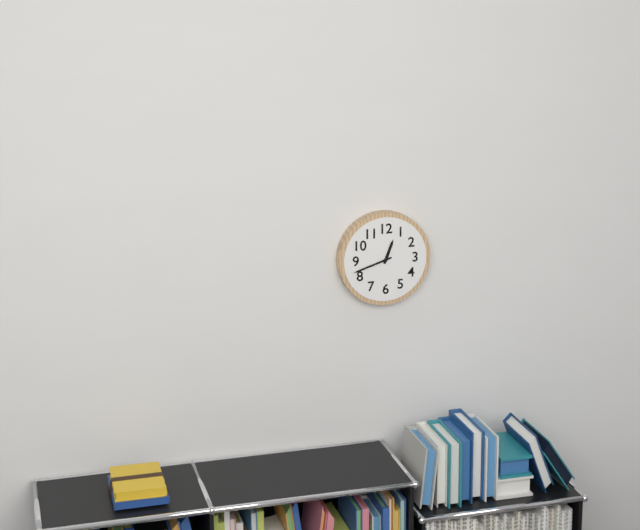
12:42
